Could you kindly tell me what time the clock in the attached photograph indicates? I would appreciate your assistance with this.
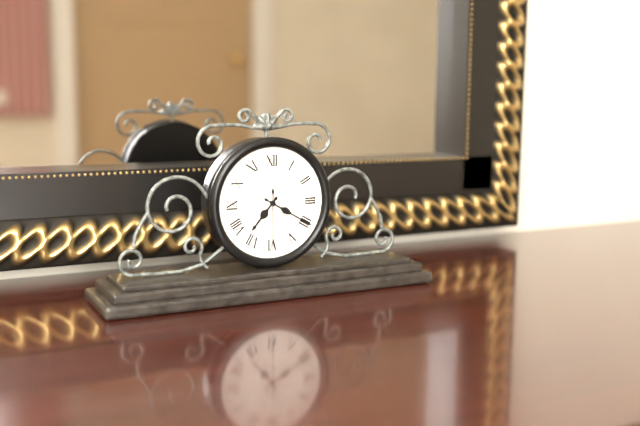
7:20:30
